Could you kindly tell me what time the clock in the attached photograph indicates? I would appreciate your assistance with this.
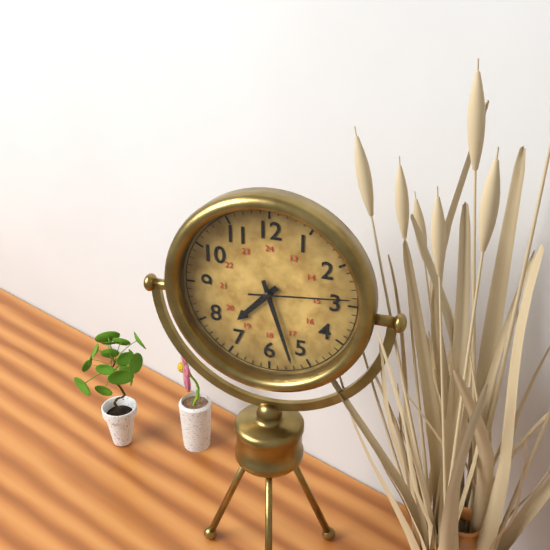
7:27:14
